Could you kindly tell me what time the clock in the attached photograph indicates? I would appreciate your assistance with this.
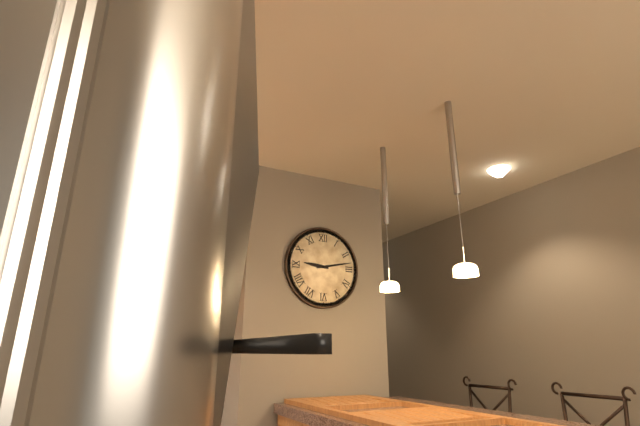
9:13
